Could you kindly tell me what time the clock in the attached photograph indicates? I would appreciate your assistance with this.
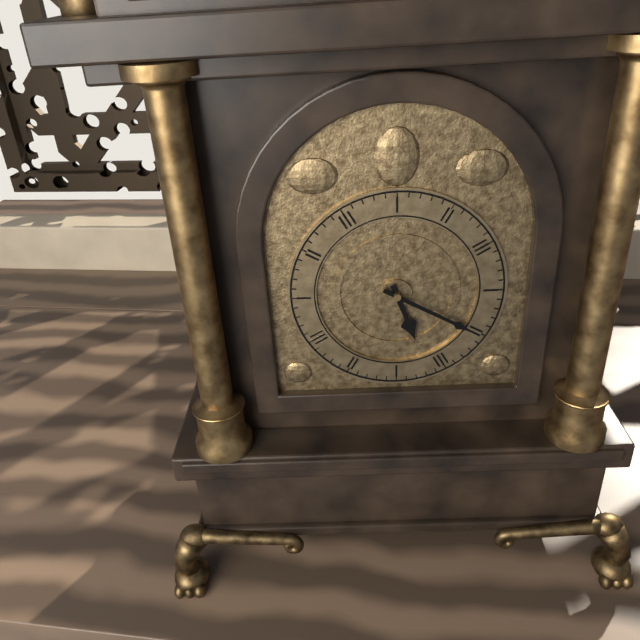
5:20
